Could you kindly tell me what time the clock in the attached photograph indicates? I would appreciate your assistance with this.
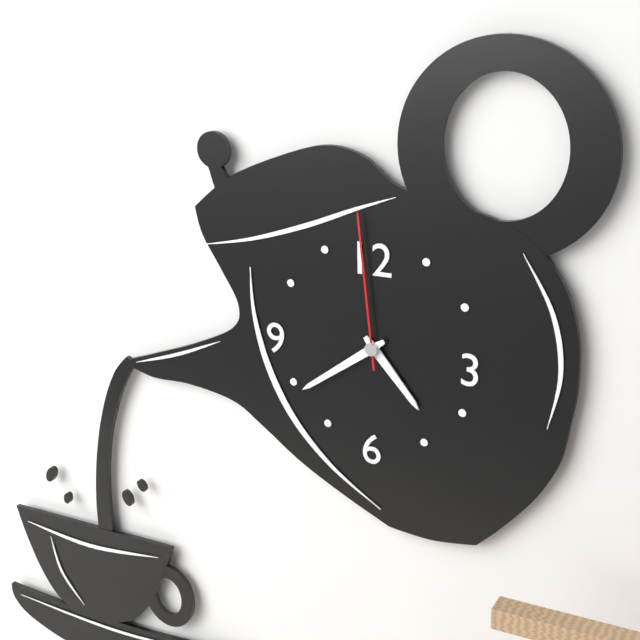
4:39:59
